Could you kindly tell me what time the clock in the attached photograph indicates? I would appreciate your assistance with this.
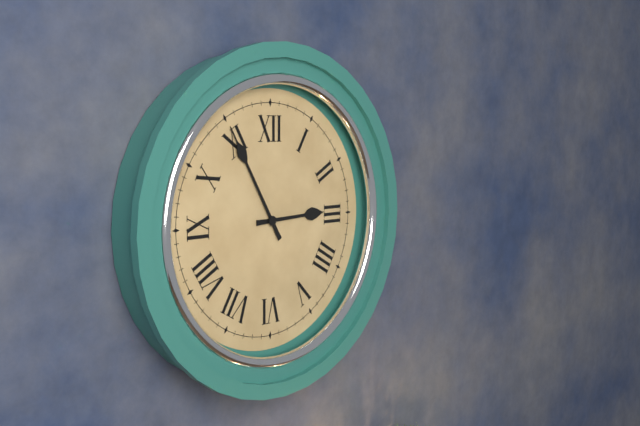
2:55
